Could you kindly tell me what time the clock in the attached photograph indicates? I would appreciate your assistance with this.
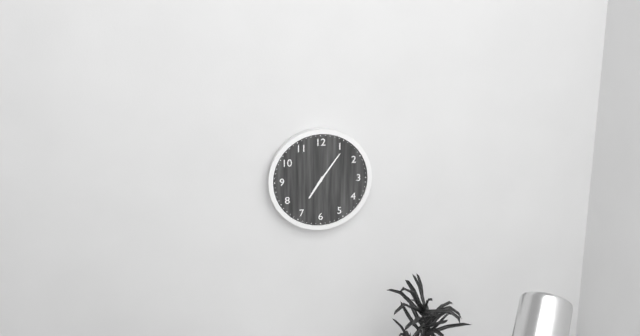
7:06
